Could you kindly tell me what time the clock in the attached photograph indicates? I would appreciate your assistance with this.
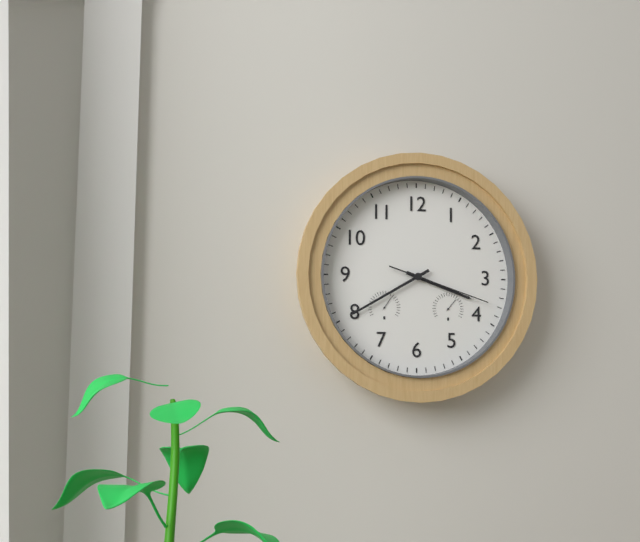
3:40:18
